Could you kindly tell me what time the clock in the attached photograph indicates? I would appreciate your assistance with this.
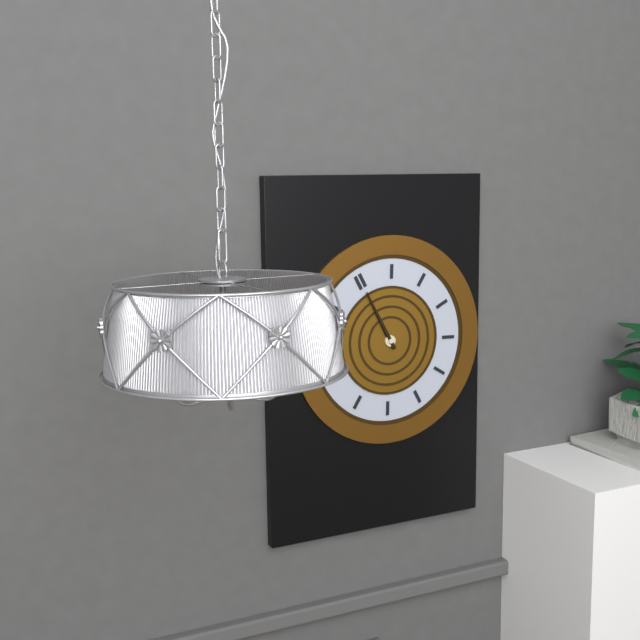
12:00
